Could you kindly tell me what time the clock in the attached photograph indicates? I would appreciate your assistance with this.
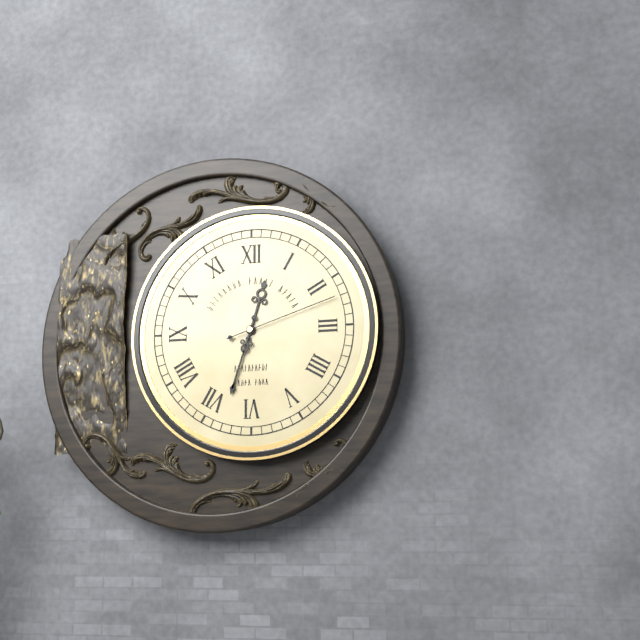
12:33:12
